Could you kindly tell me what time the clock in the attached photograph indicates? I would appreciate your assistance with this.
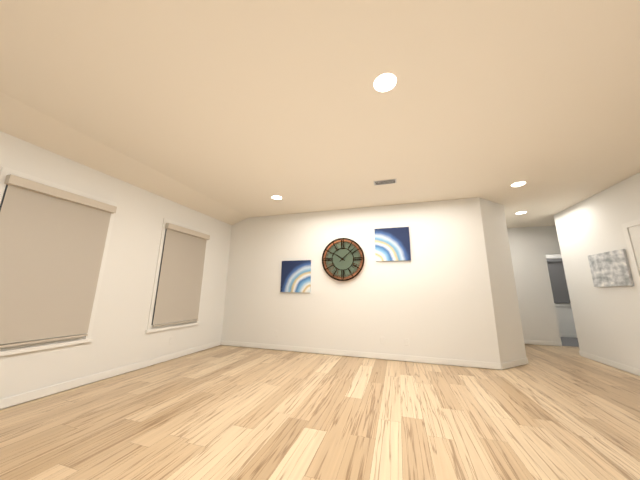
10:08
